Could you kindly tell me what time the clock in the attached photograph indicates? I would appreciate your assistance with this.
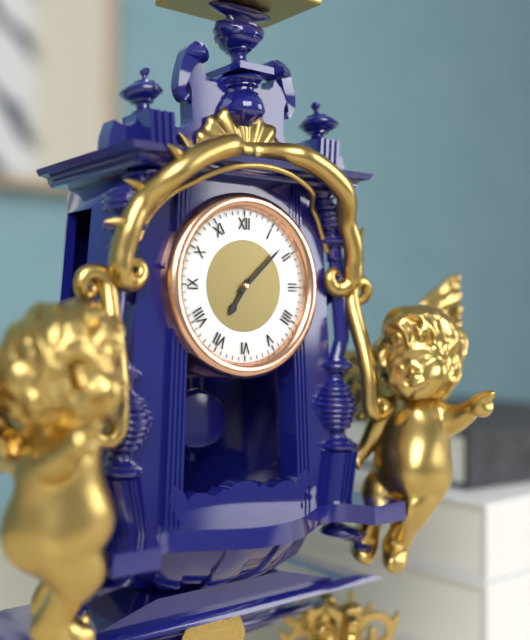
7:08
